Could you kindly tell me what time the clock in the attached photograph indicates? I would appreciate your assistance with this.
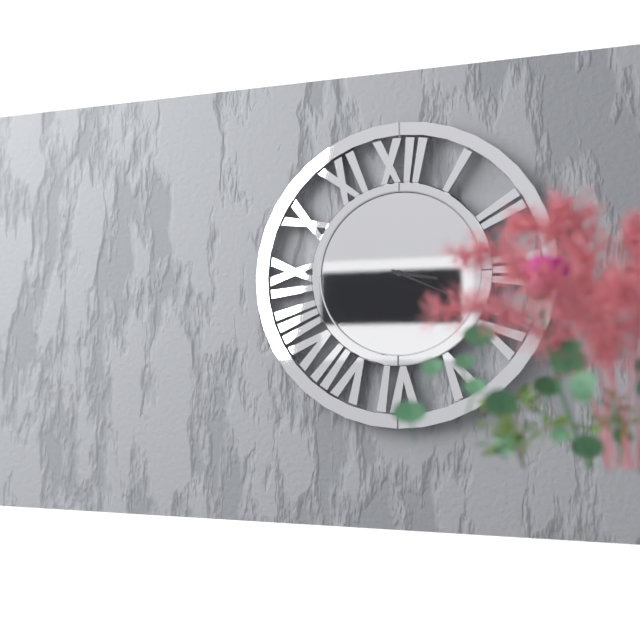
3:19
